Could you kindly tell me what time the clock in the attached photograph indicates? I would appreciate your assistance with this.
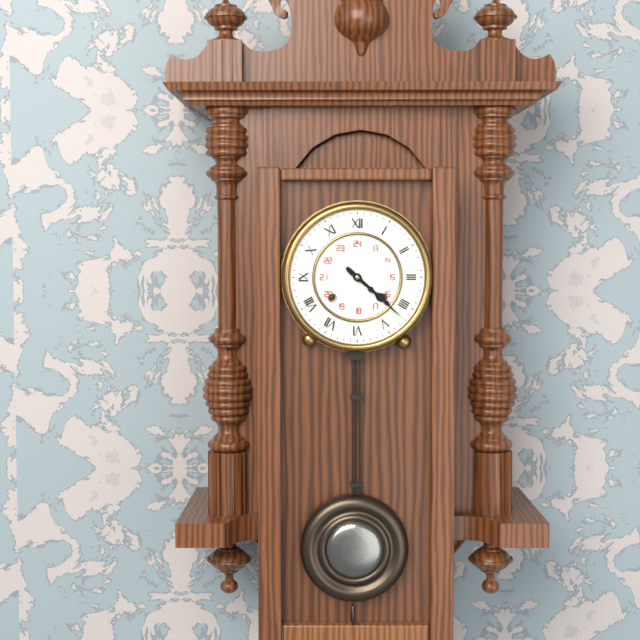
4:22
